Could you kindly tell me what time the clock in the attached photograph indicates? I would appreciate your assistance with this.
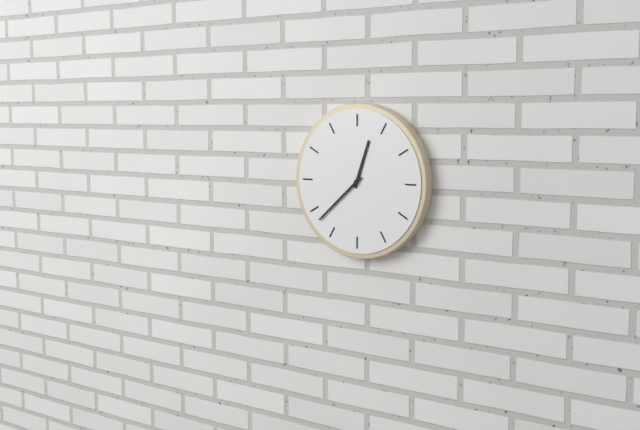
12:38
